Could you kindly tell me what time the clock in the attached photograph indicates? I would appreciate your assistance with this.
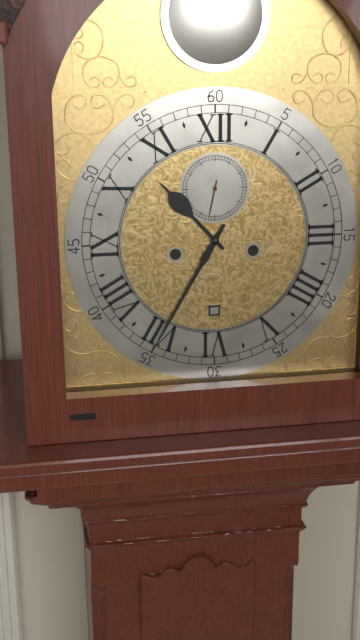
10:35
